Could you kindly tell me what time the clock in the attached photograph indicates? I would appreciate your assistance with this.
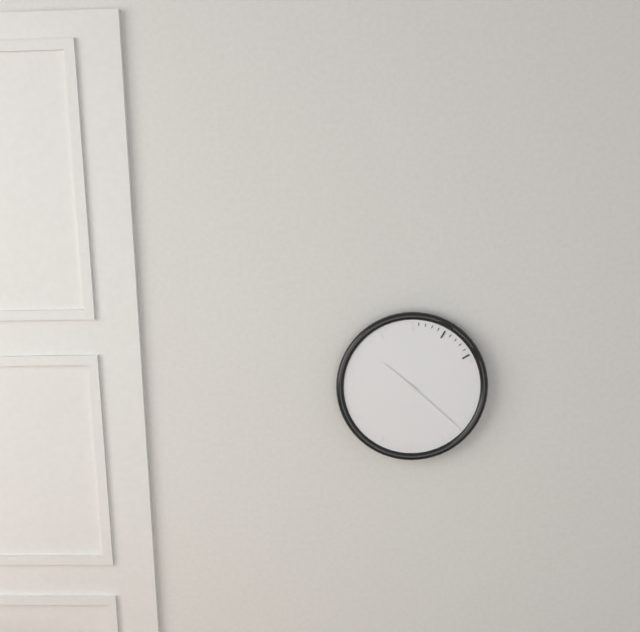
10:22
